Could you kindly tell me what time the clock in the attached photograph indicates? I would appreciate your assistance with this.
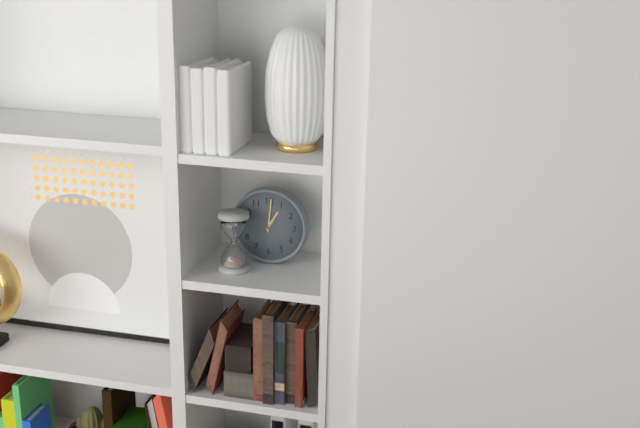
1:01
